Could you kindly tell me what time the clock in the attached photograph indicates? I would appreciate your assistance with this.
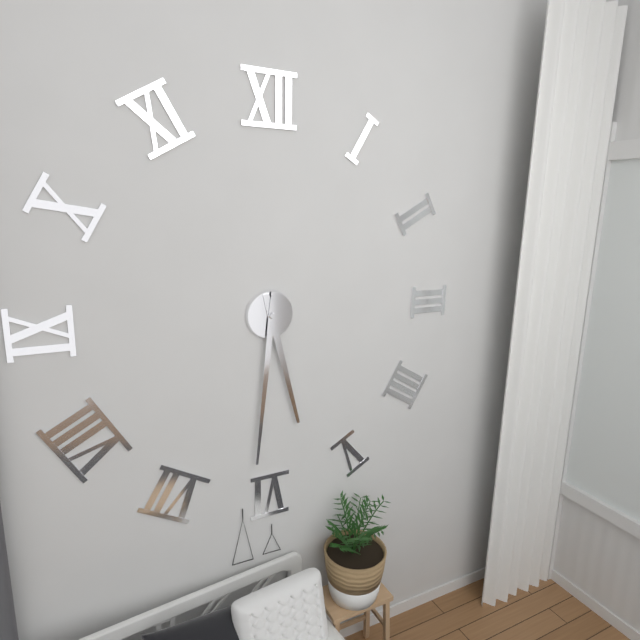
5:31
